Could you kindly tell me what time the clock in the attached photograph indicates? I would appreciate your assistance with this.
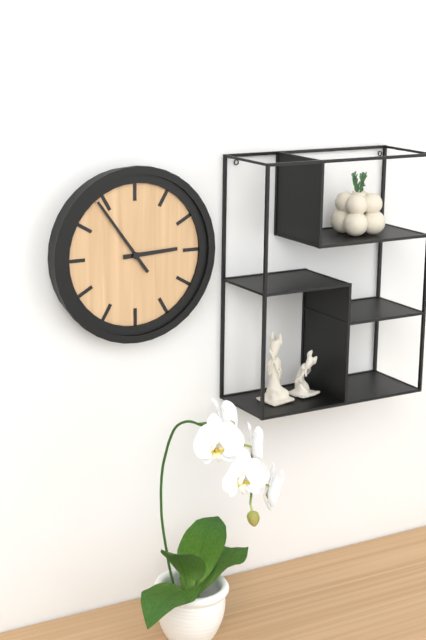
2:54
